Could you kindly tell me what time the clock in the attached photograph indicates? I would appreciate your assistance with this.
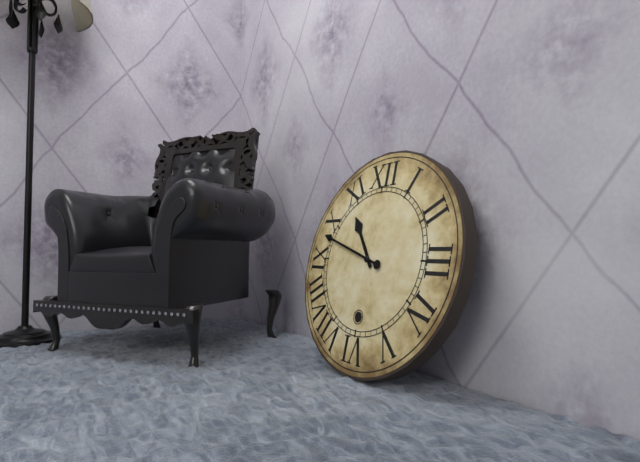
10:48
